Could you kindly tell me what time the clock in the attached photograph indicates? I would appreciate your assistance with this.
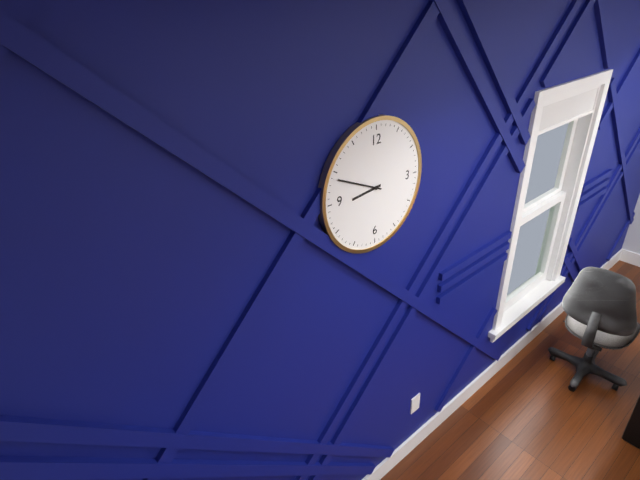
8:49
